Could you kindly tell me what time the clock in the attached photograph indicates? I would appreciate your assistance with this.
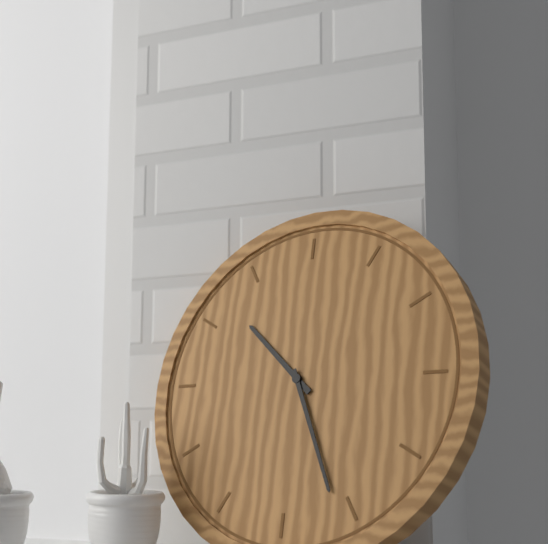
10:26
